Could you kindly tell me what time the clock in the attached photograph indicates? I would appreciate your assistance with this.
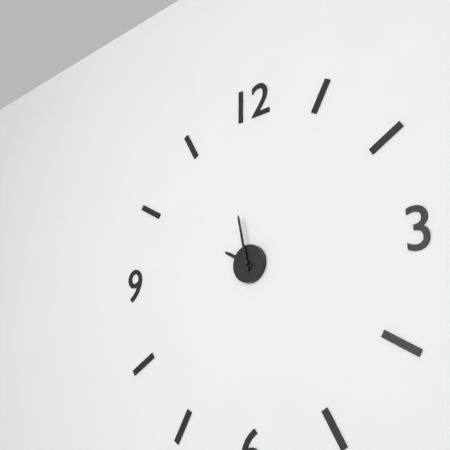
9:58
